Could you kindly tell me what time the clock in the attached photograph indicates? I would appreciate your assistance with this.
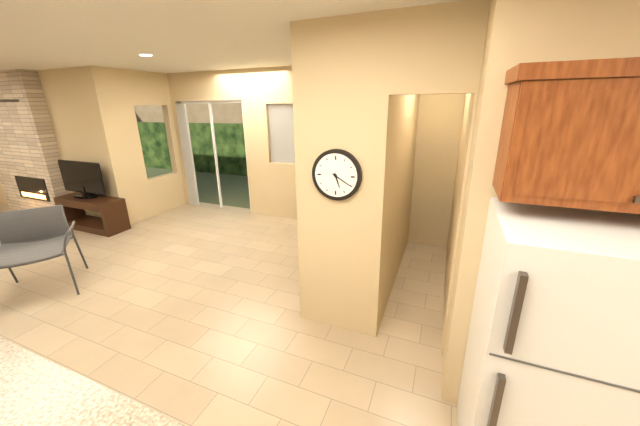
5:20
